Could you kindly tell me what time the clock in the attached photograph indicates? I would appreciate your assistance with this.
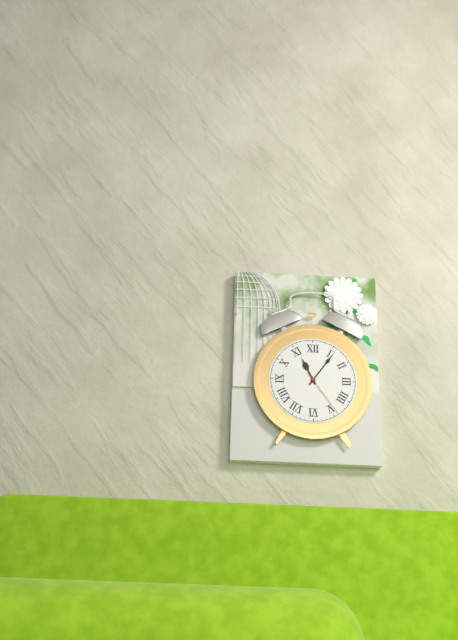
11:06:24
